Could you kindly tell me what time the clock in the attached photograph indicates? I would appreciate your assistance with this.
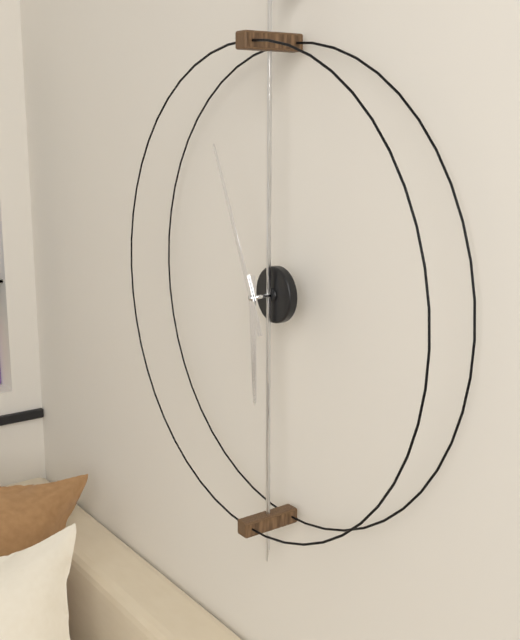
5:56
